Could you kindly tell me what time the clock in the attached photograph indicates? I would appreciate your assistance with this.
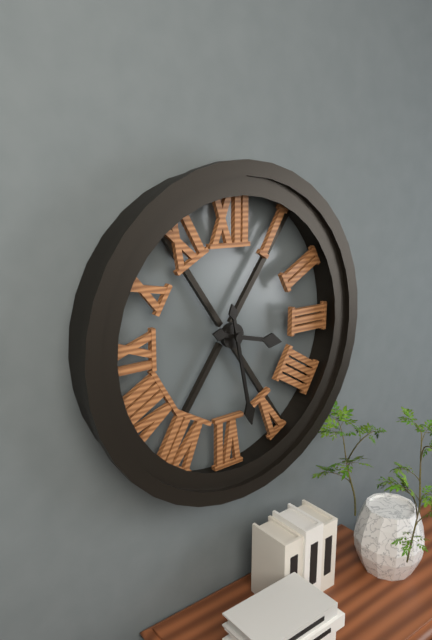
3:28
